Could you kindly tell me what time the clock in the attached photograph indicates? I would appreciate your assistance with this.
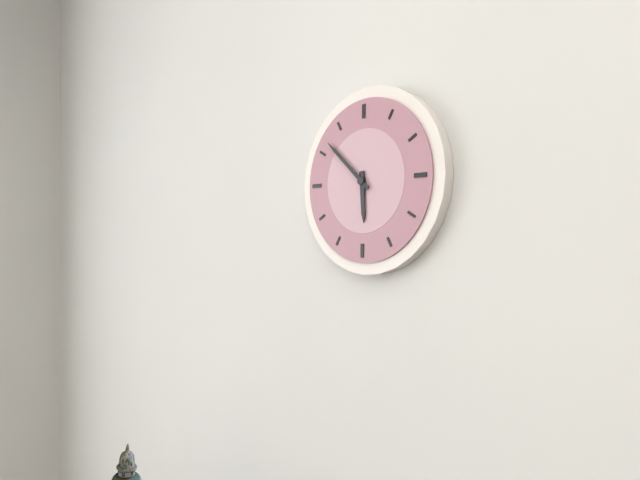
5:52
